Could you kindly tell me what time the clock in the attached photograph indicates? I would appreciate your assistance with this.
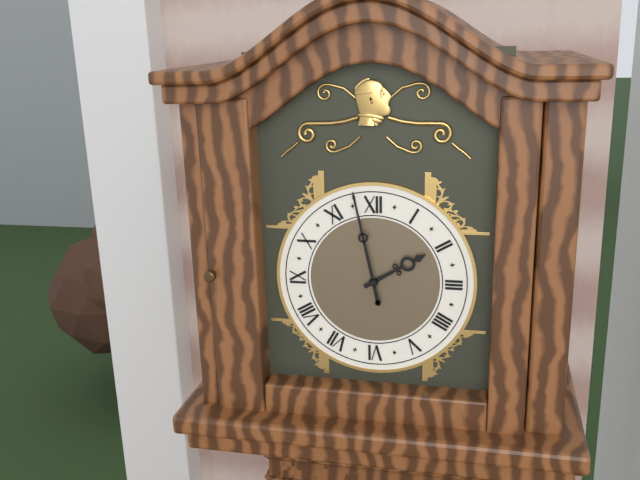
1:58
